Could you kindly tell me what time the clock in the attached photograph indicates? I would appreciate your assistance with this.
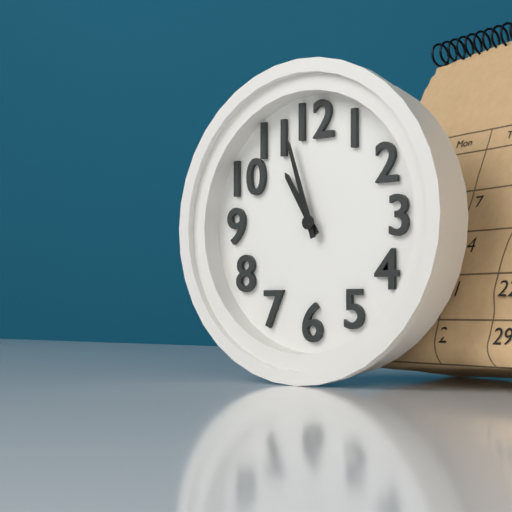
10:57
